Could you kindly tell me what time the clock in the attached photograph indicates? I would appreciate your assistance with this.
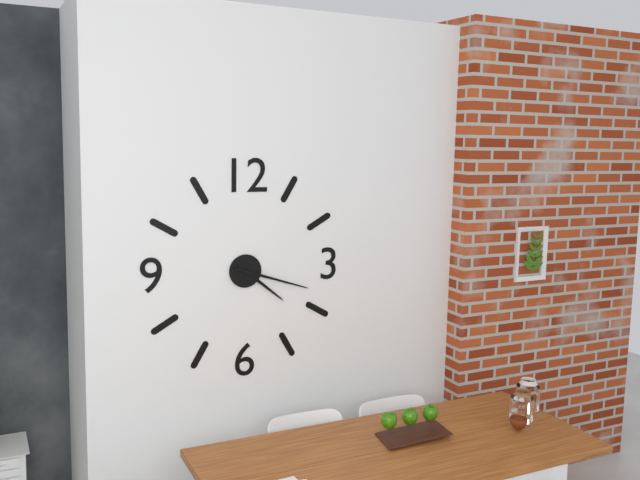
4:18
